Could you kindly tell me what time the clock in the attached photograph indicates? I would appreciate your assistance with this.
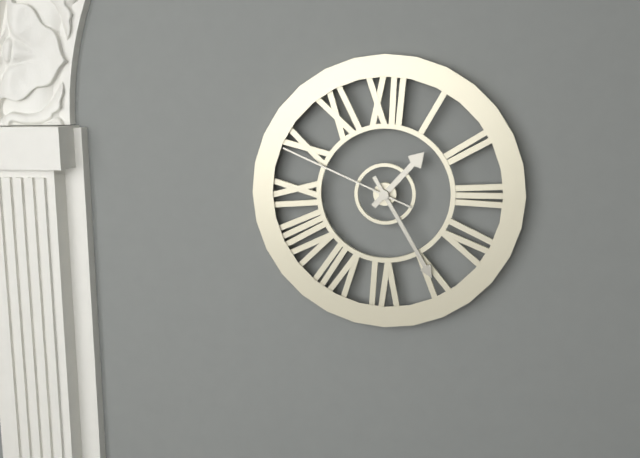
1:25:49
